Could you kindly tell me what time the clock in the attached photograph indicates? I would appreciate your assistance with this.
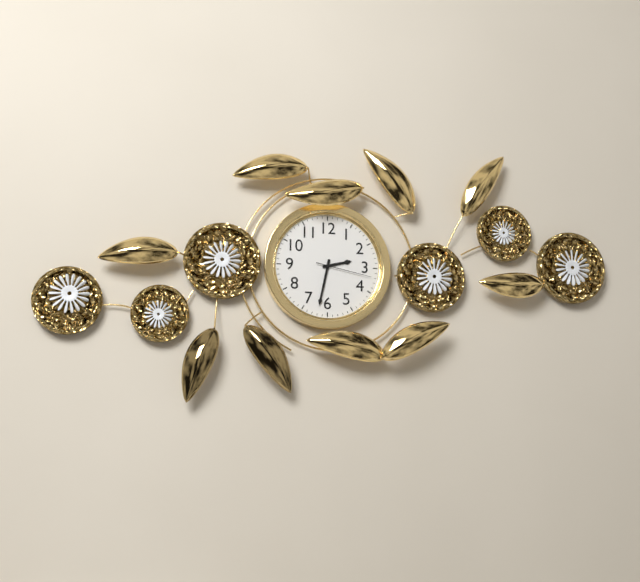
2:32:17
